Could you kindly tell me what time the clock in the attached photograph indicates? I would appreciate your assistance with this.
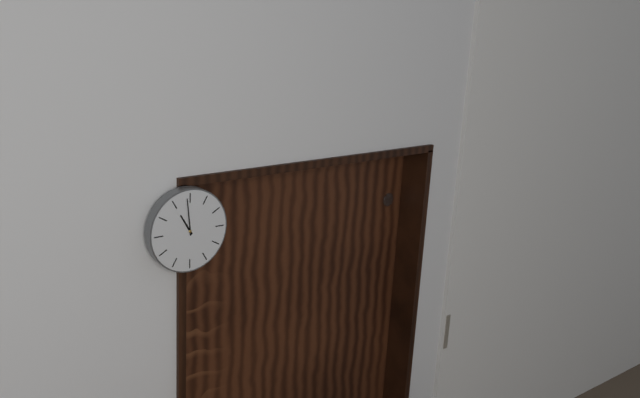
10:59
